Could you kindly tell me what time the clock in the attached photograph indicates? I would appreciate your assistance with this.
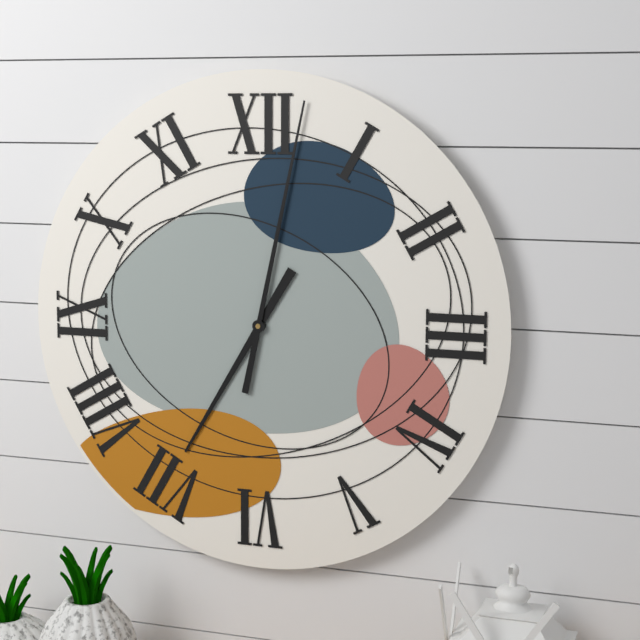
7:02
